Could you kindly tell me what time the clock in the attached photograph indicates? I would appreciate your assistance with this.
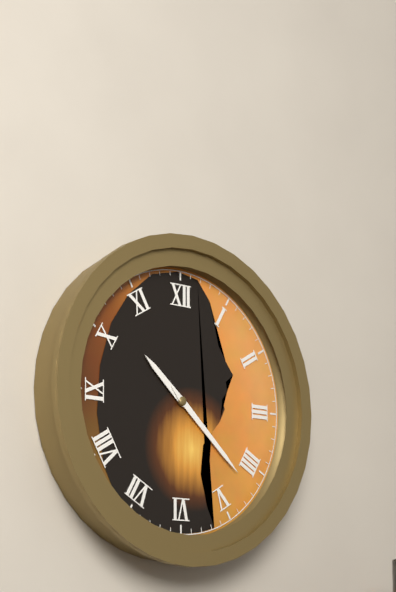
10:22
